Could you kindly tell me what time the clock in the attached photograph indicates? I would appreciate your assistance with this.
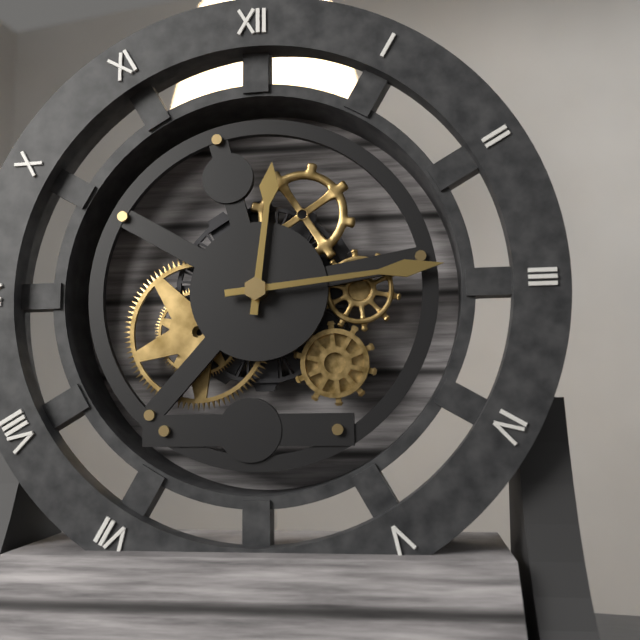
12:14
